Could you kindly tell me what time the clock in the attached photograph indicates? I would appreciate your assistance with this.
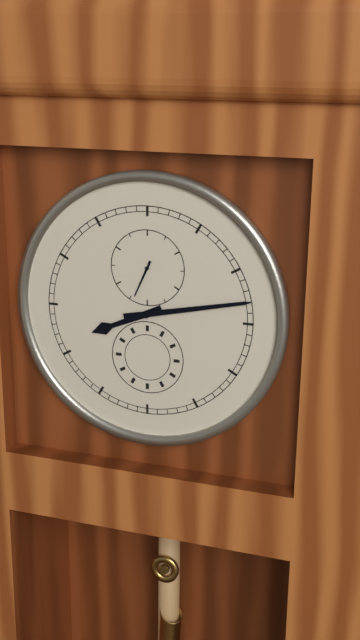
8:13
